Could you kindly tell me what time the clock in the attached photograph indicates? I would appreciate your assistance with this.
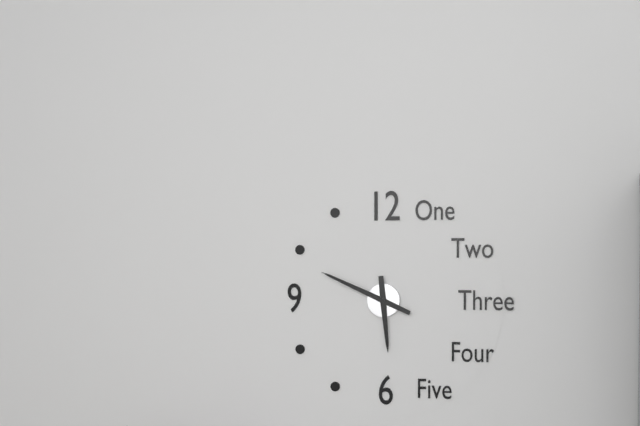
5:49
